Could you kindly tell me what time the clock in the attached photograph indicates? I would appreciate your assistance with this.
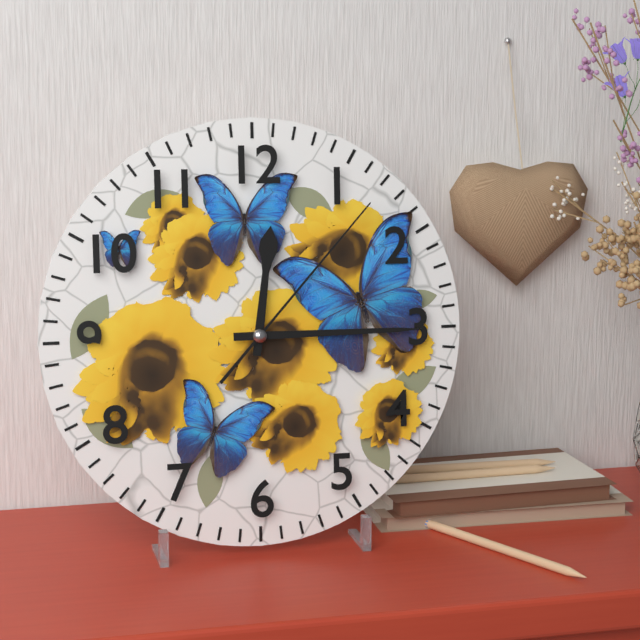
12:15:07
